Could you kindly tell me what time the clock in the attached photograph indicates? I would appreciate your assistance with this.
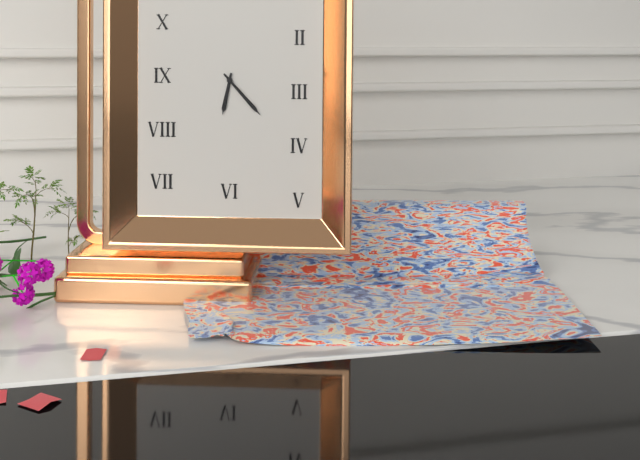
6:23
